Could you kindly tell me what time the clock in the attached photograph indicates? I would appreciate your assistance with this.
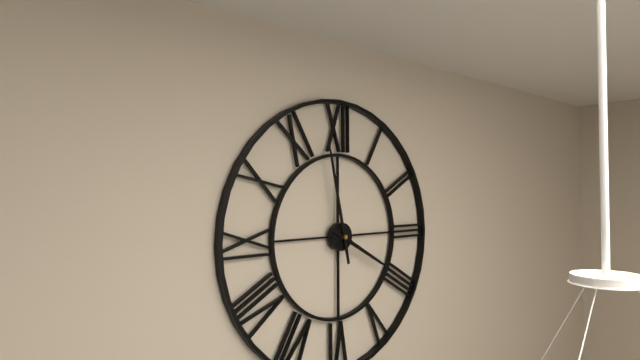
3:58
